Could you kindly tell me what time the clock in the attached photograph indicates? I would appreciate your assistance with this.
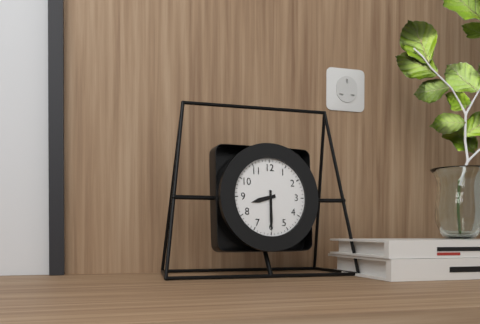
8:30
